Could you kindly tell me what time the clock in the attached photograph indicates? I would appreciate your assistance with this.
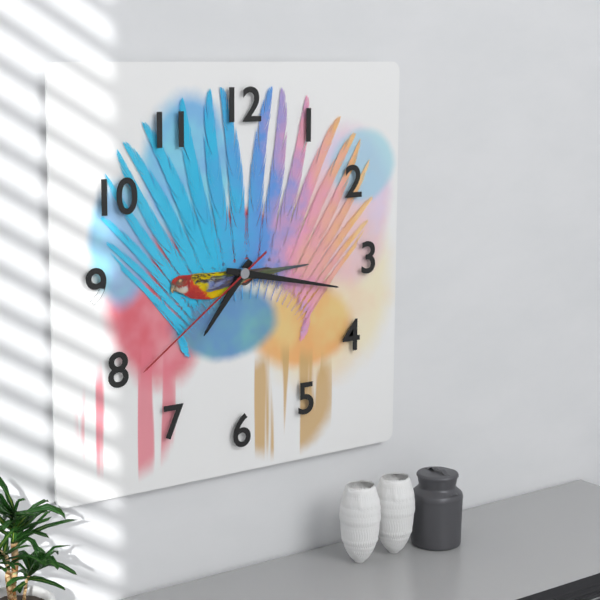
7:17:39
